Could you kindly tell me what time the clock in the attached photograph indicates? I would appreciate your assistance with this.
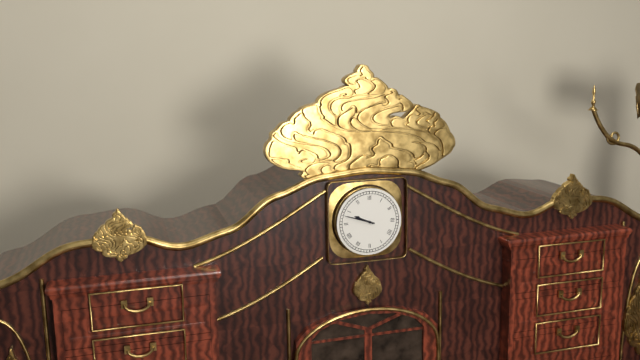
9:48
